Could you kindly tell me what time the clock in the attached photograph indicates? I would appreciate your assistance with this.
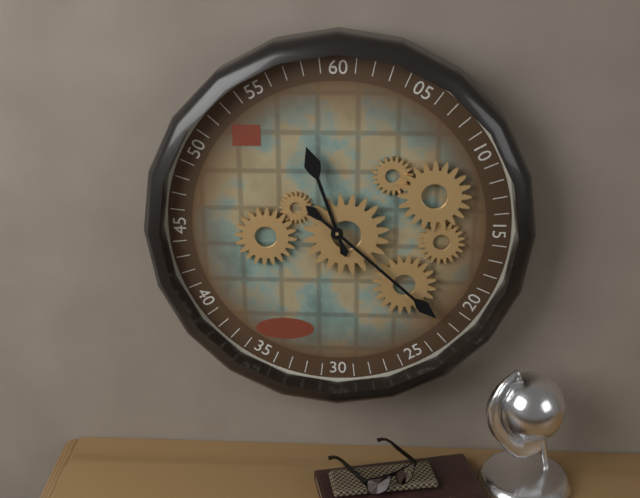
11:22
